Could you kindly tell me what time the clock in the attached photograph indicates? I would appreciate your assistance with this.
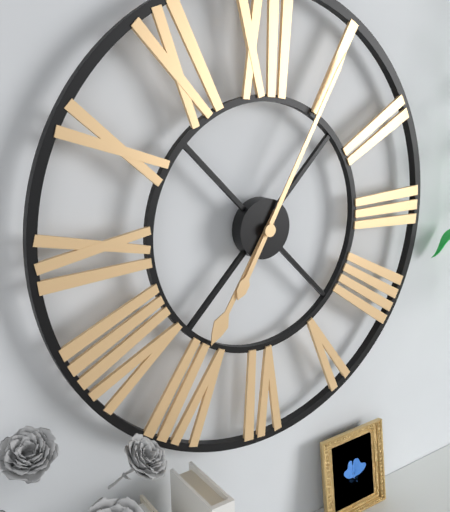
7:05
